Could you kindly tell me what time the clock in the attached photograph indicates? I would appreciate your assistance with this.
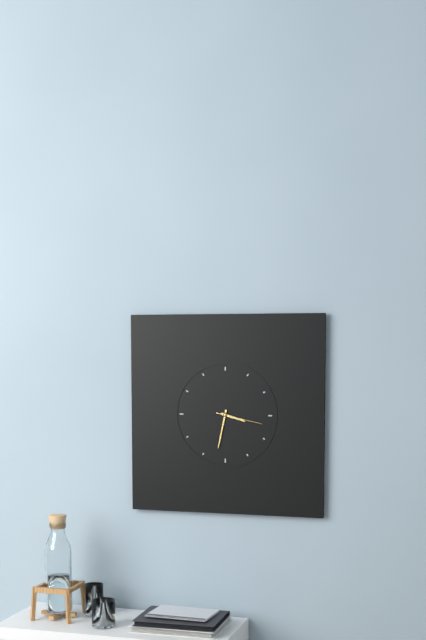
3:32
